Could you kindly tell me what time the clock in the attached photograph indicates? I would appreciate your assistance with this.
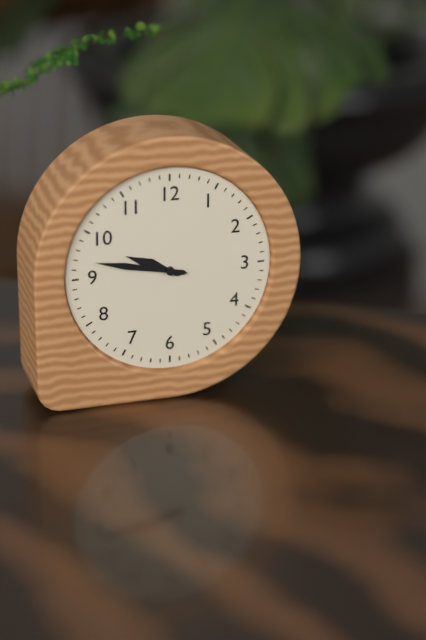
9:47
